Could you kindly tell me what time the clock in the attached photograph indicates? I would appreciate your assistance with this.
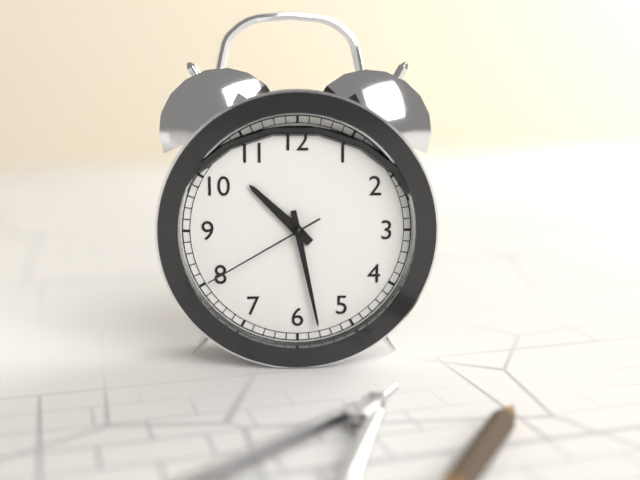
10:28:40
